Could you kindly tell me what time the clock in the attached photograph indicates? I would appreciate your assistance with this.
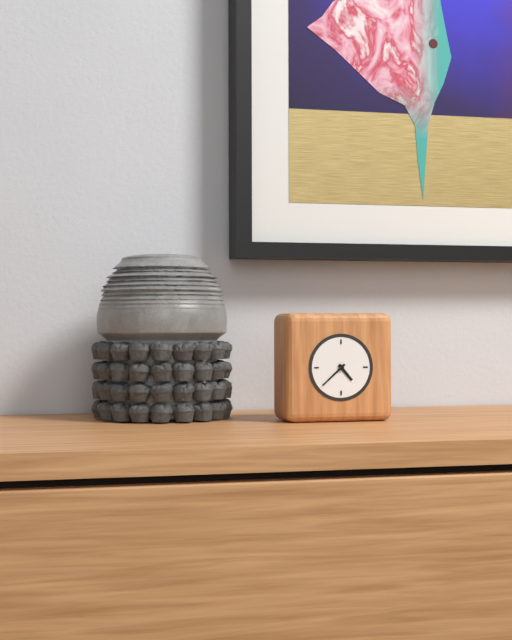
4:38
